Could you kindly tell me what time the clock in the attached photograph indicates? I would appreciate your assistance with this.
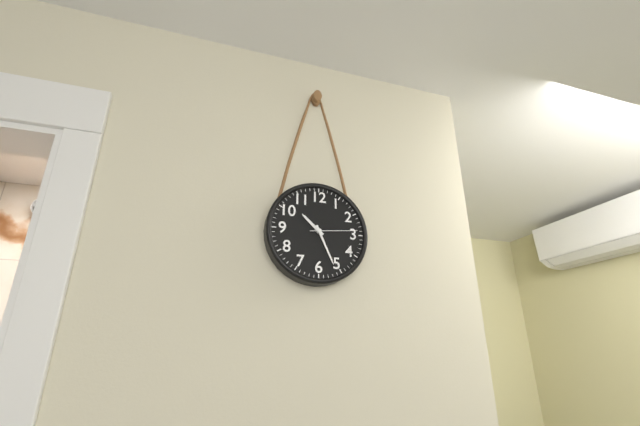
10:26
